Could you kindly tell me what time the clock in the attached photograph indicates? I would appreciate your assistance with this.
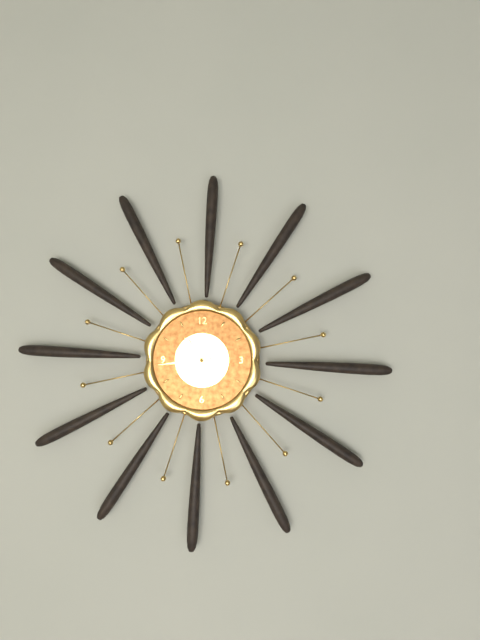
10:44
